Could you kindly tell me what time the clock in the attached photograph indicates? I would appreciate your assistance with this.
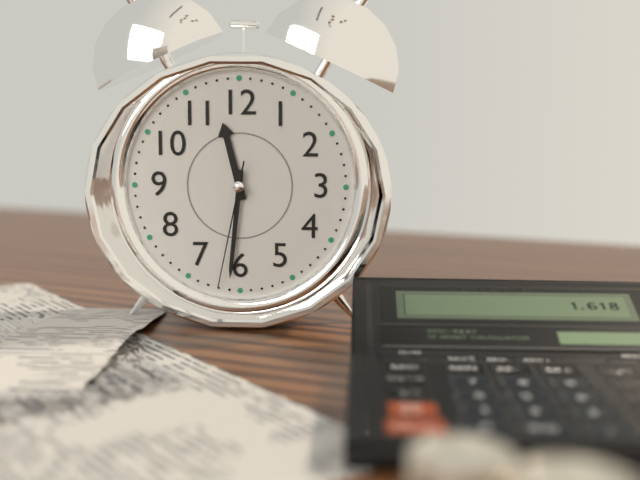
11:31:32
